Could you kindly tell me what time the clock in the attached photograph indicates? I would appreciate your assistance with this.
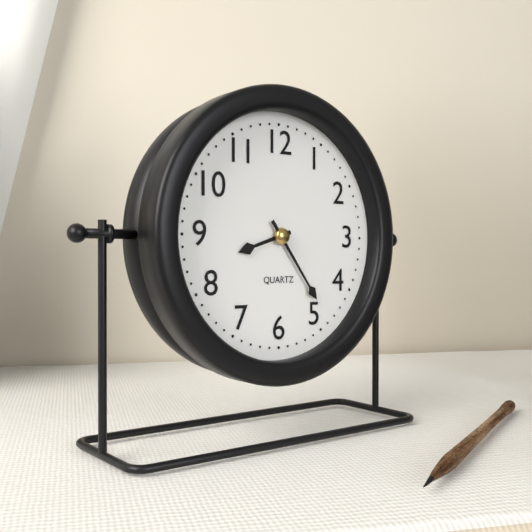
8:24
